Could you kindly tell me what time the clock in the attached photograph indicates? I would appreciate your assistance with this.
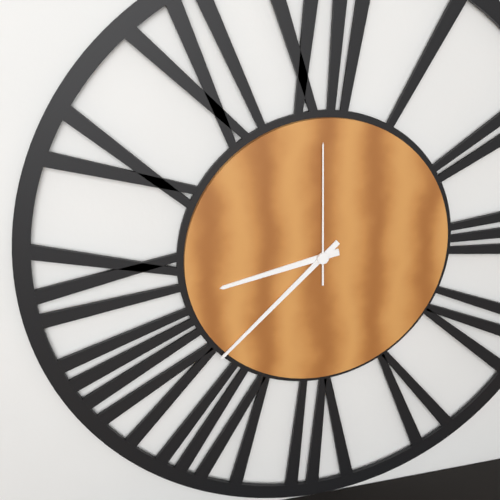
8:38:00
